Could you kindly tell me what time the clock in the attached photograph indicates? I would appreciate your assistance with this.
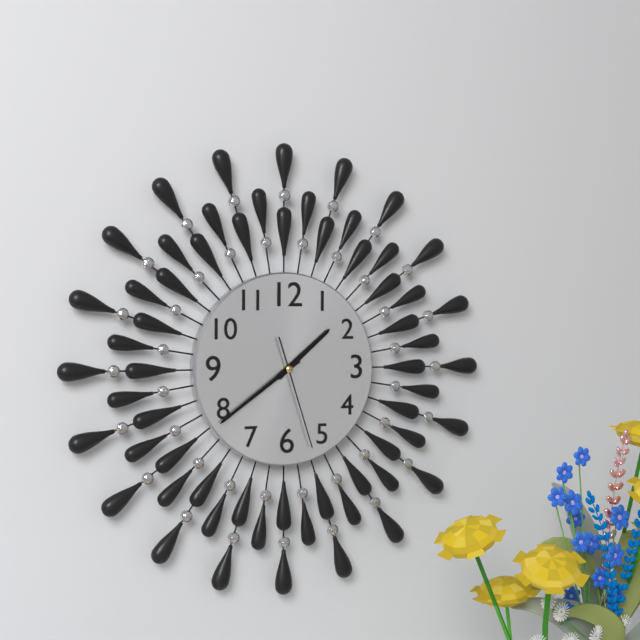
1:39:27
